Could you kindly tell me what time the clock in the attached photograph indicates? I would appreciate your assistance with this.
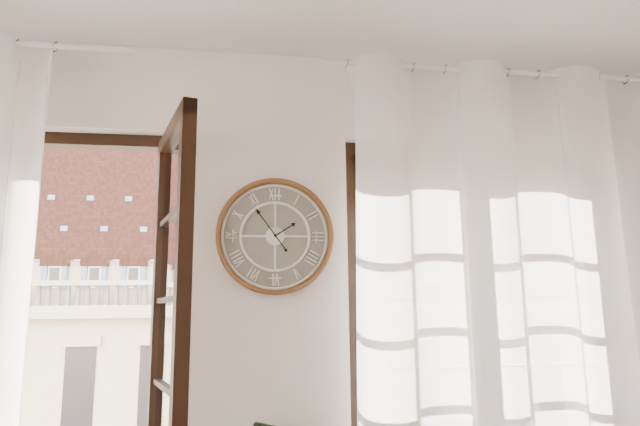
1:54
